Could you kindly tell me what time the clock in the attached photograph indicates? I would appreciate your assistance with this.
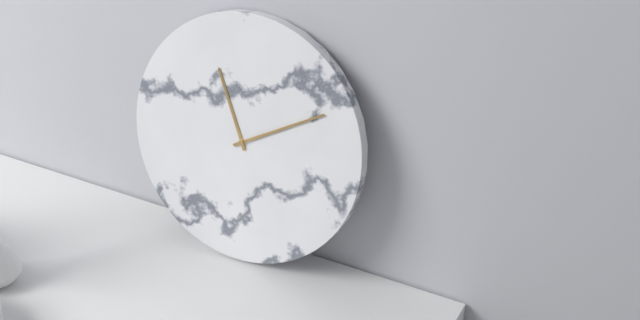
11:10
